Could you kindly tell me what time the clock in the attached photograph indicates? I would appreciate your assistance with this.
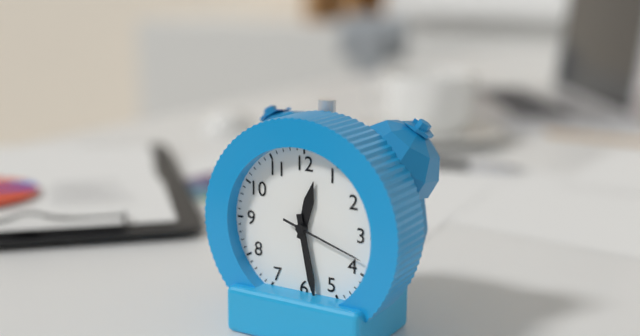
12:28:18
